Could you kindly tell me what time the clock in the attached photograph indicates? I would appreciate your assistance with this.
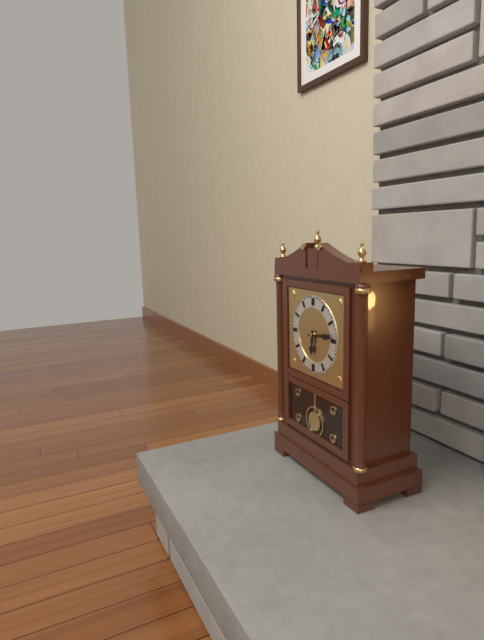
6:14
